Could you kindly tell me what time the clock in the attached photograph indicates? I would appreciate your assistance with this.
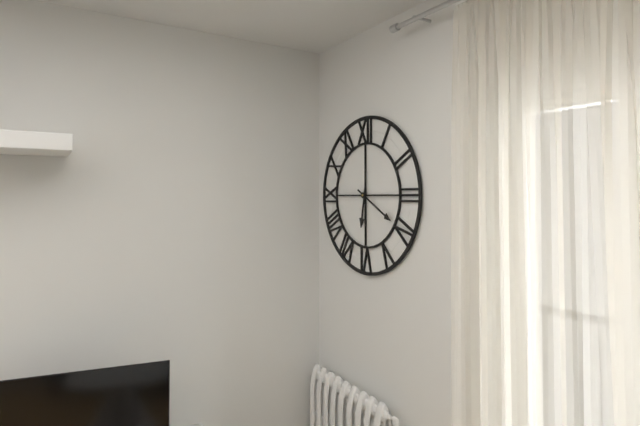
6:20
